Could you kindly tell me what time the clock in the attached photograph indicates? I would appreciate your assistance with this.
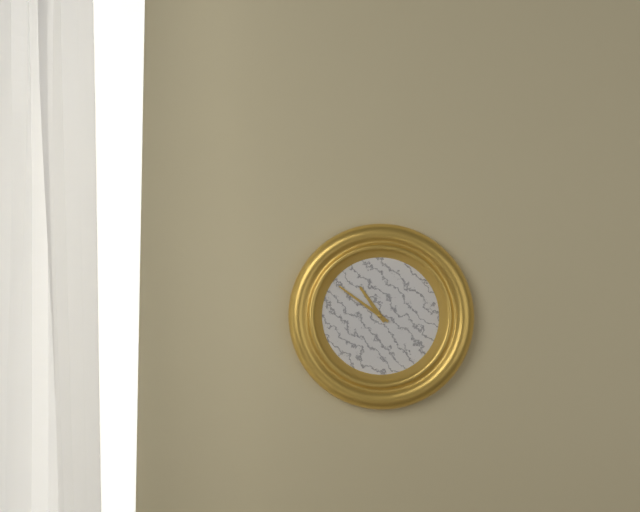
10:51
